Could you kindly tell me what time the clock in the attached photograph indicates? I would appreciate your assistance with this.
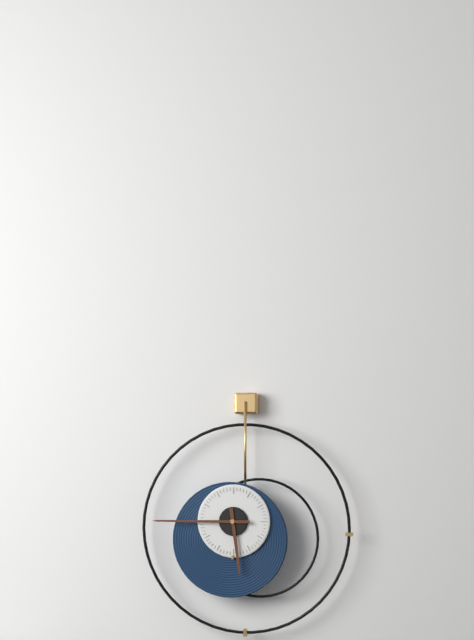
5:45
